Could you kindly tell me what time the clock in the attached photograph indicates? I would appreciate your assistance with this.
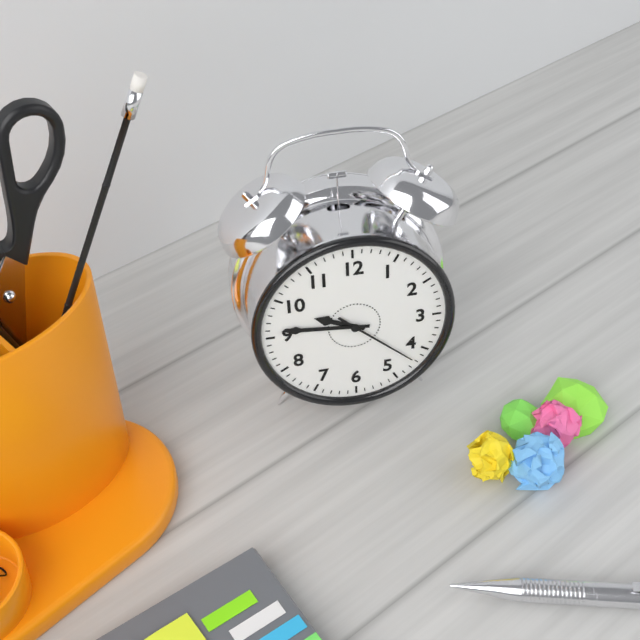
9:46:22
